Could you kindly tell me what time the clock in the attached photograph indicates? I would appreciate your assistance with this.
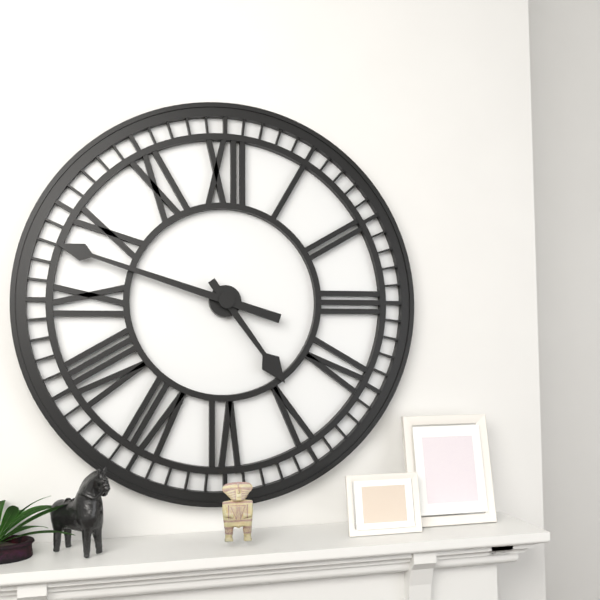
4:48
